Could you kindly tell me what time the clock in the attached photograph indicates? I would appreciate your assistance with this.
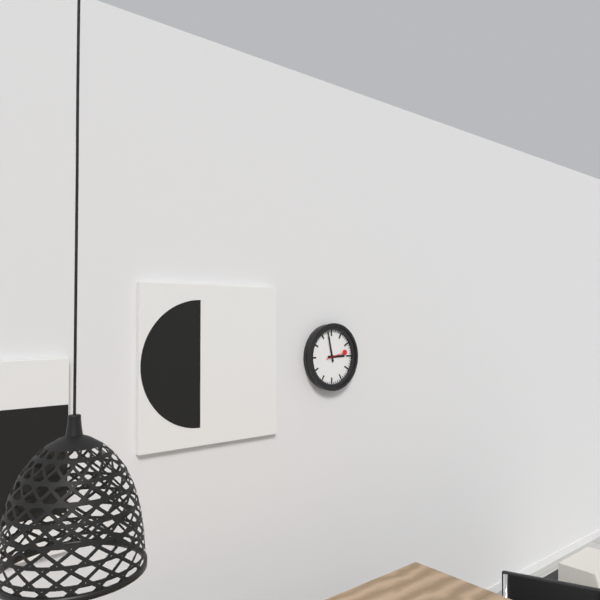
2:58
